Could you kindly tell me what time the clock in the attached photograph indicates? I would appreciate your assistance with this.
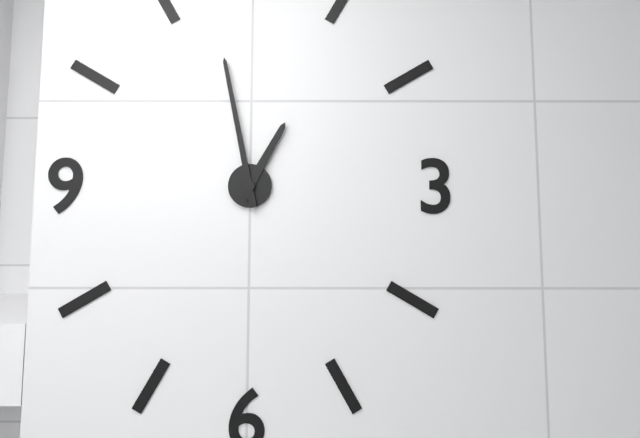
12:58
